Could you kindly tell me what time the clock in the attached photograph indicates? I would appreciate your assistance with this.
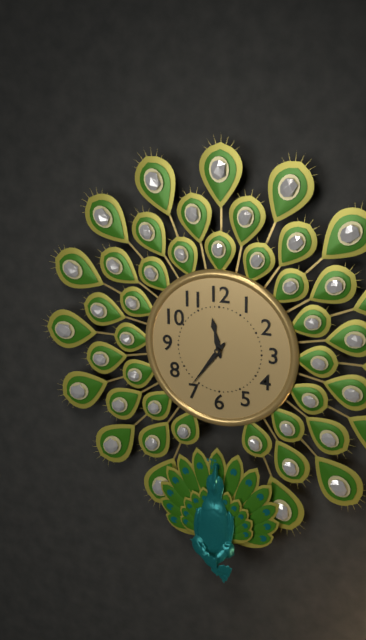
11:36
